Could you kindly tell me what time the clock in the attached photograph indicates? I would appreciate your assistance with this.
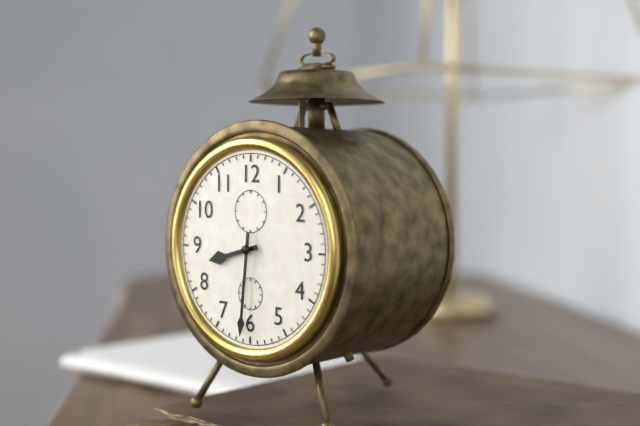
8:31
